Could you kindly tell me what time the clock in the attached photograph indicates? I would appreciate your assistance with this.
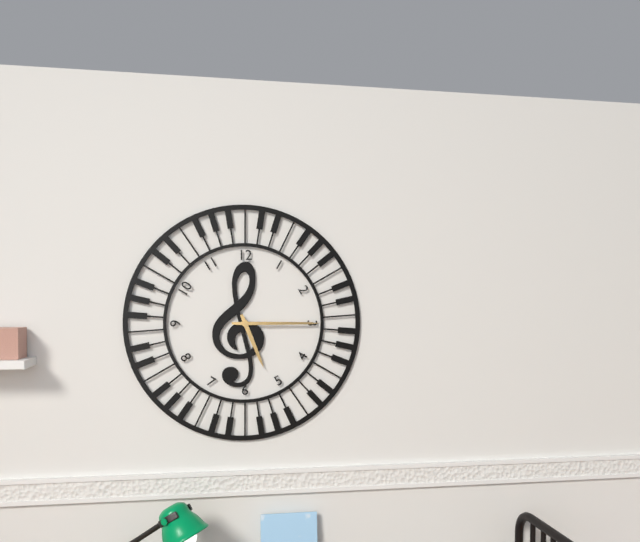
5:15
